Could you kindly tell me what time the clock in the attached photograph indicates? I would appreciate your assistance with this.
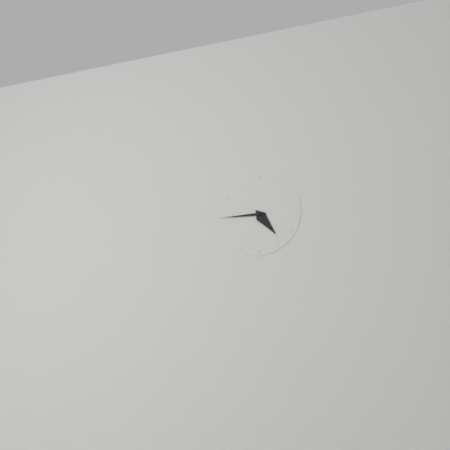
4:45
